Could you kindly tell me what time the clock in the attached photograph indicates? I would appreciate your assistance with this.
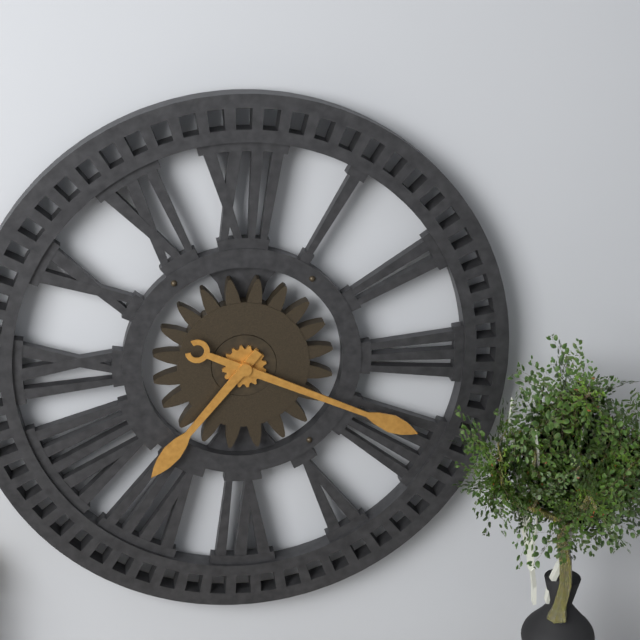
7:19
